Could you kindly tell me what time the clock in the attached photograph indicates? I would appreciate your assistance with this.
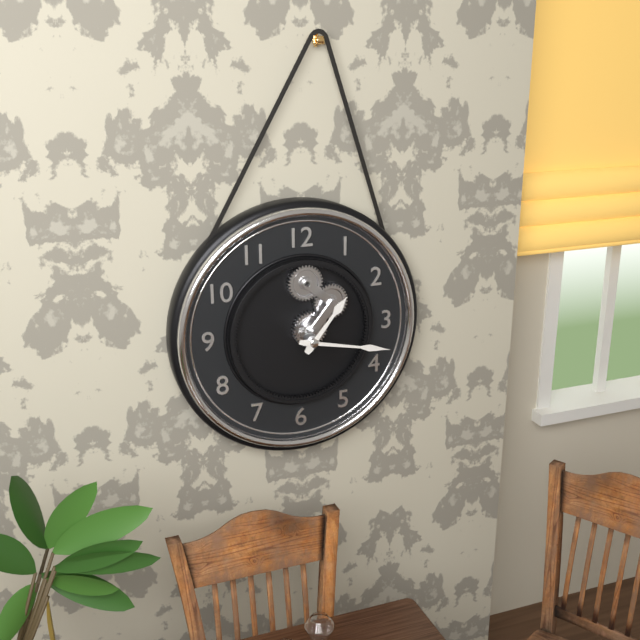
1:17
